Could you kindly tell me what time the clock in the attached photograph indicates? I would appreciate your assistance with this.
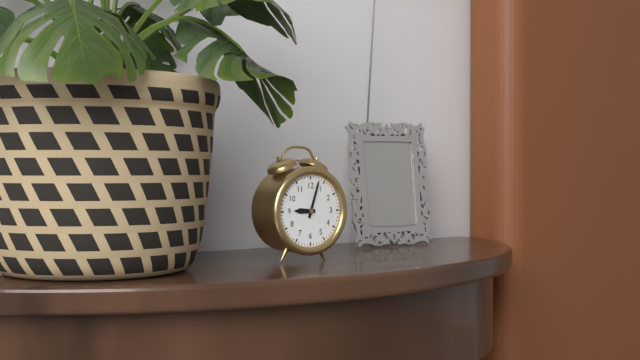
9:03
